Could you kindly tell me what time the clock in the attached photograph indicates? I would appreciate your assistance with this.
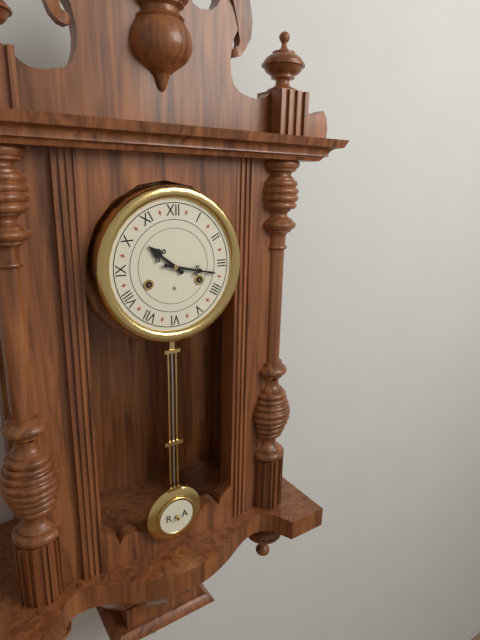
10:17
